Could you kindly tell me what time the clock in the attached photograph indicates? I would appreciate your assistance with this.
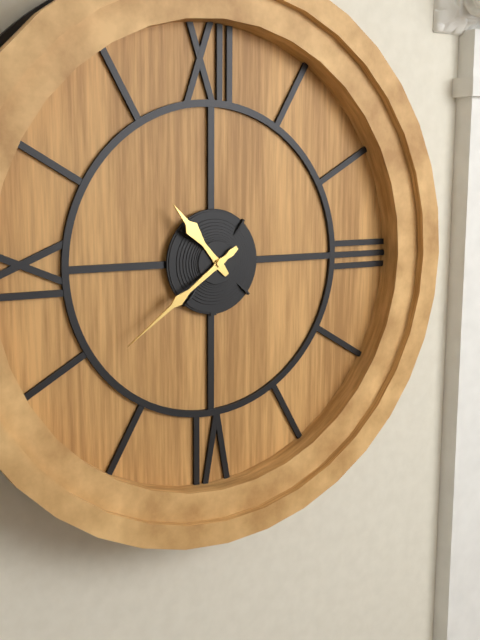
10:39
